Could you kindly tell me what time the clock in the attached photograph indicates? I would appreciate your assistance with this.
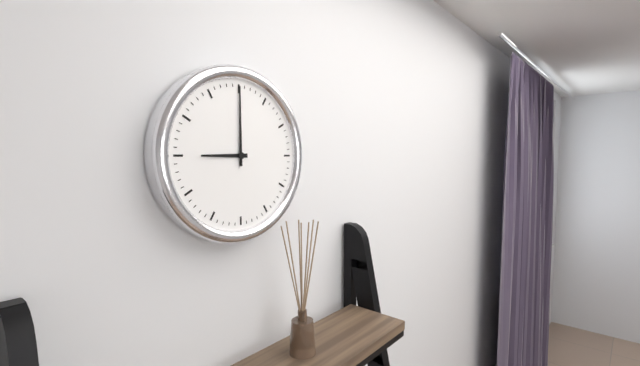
9:00
